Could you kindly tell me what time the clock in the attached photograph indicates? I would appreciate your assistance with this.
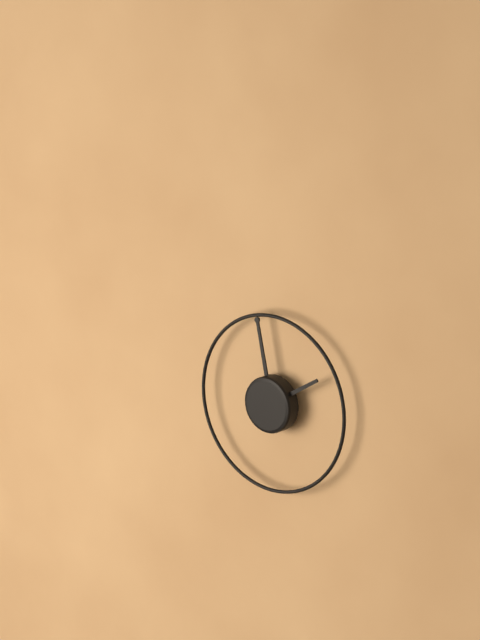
1:58
